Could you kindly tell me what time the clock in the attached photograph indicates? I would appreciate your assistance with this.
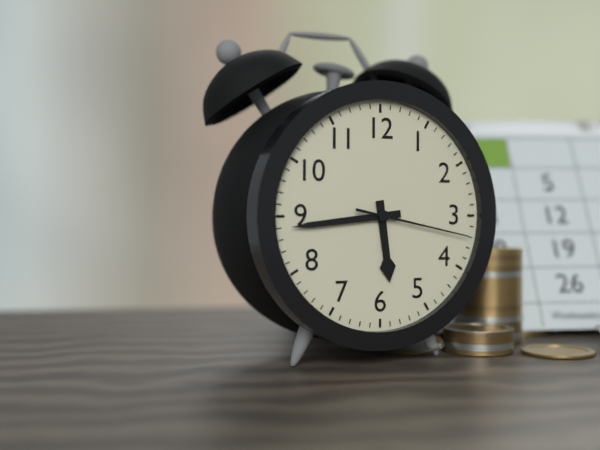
5:44:17
